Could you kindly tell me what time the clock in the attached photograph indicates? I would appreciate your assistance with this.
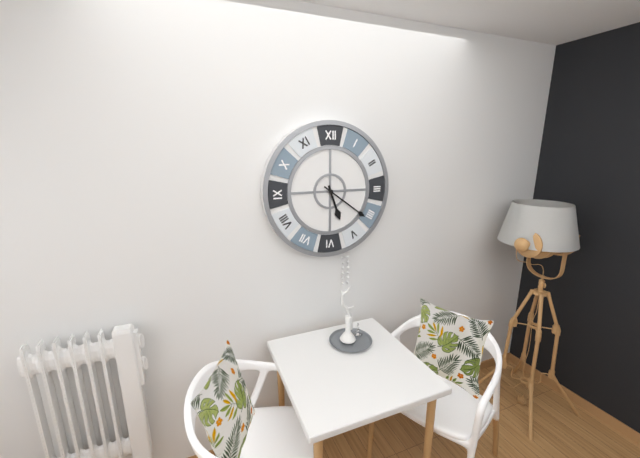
5:21
